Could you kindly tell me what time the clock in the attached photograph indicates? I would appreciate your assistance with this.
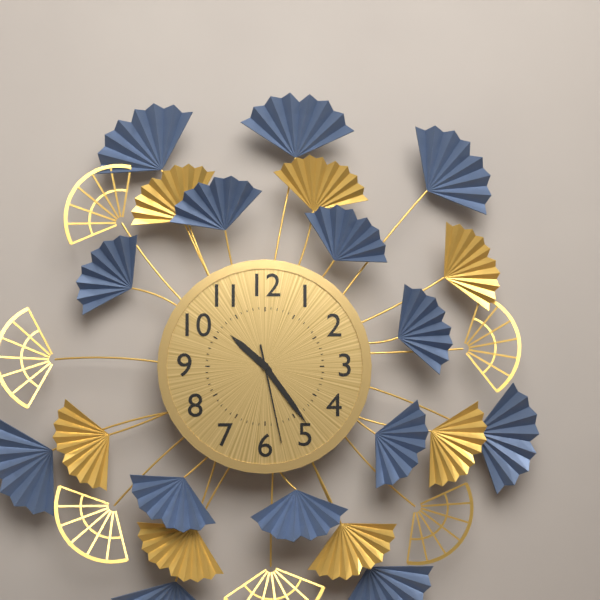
10:24:28
